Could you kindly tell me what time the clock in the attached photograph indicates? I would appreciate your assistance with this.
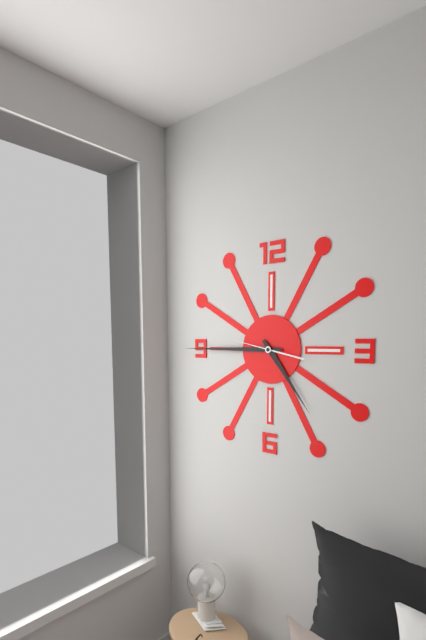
4:45
